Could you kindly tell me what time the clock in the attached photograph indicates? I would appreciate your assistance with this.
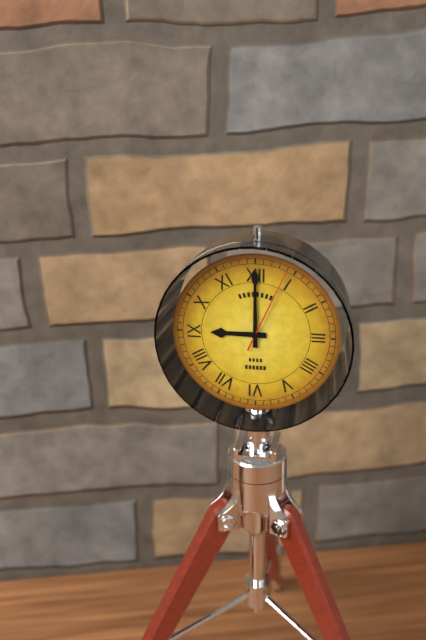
9:00:04
